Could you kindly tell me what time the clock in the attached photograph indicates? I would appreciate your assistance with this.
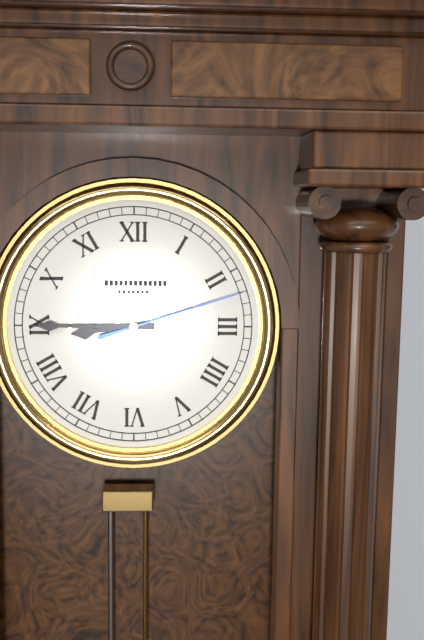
8:45:12
